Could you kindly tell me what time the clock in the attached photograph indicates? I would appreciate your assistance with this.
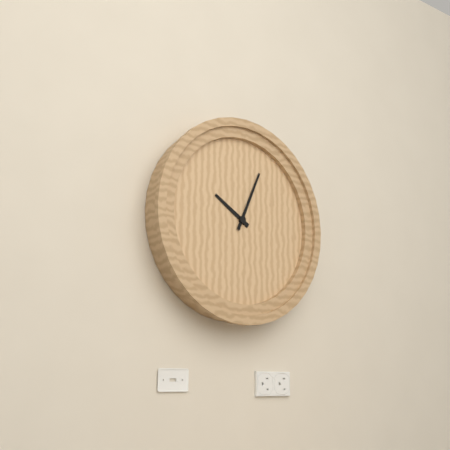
10:04
